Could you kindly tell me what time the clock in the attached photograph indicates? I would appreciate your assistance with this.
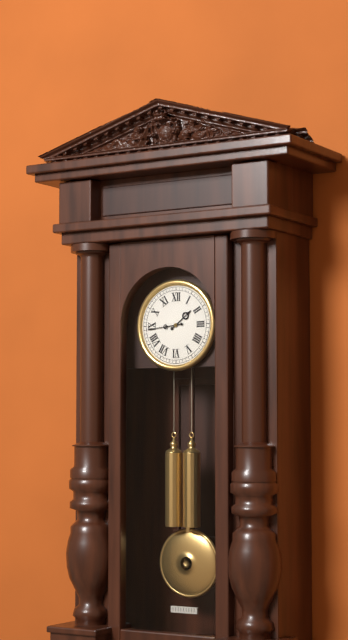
1:44
